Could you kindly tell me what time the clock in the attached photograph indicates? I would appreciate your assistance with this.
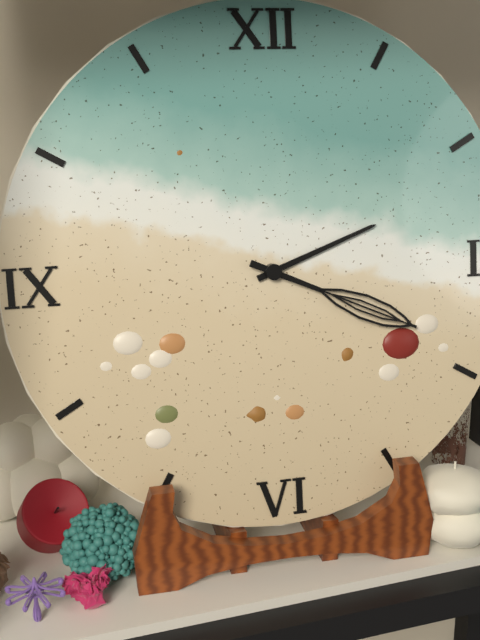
2:19
